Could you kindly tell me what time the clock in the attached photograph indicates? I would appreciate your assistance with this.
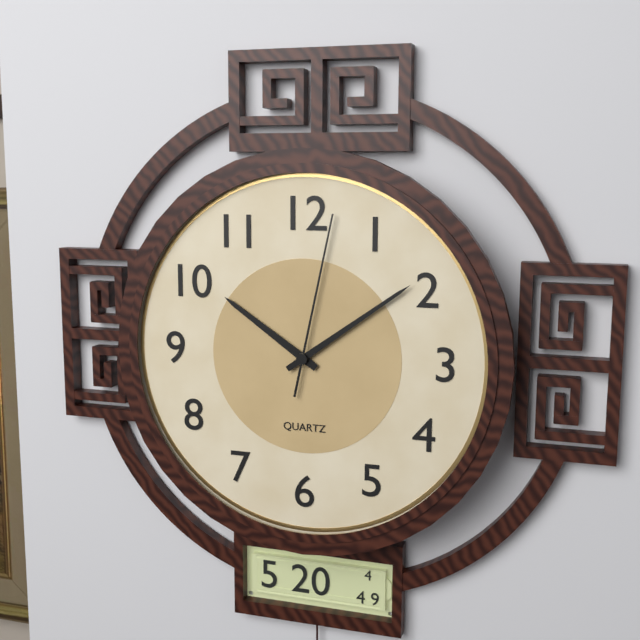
10:09:02
